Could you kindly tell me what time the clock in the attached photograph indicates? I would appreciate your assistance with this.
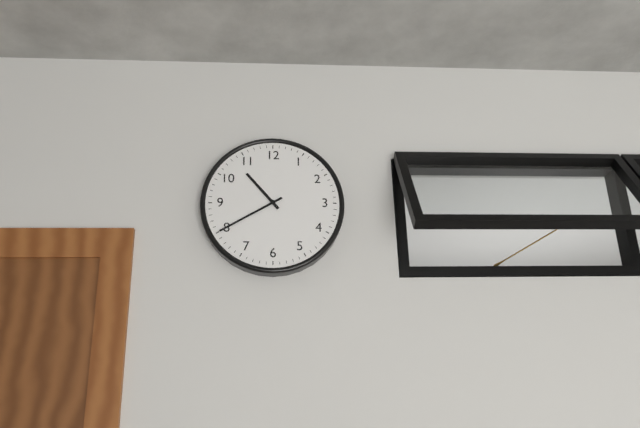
10:40
